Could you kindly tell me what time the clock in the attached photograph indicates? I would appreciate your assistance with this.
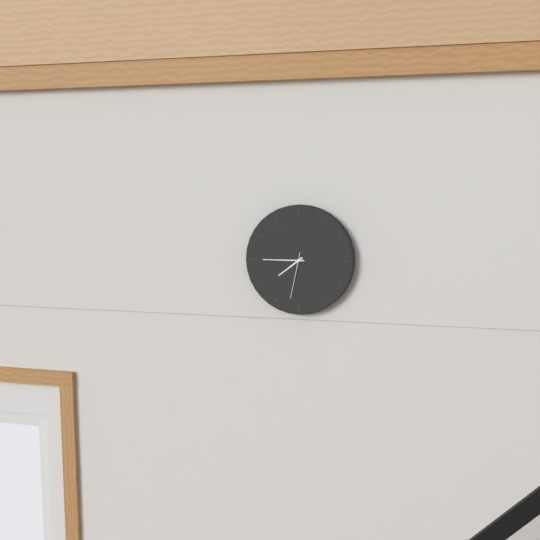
7:45
